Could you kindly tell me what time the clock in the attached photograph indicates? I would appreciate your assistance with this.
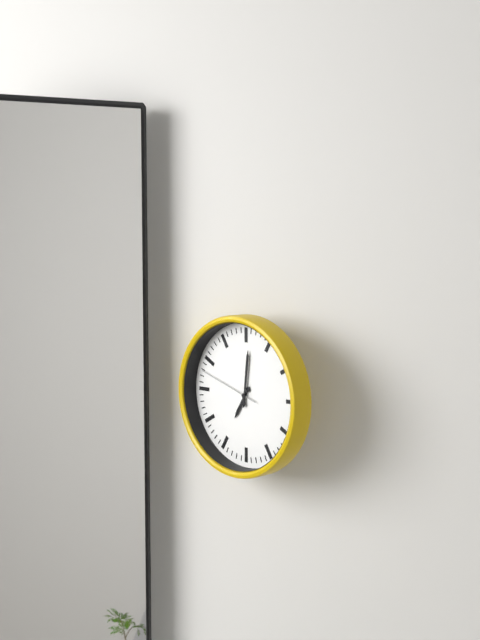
7:01:48
